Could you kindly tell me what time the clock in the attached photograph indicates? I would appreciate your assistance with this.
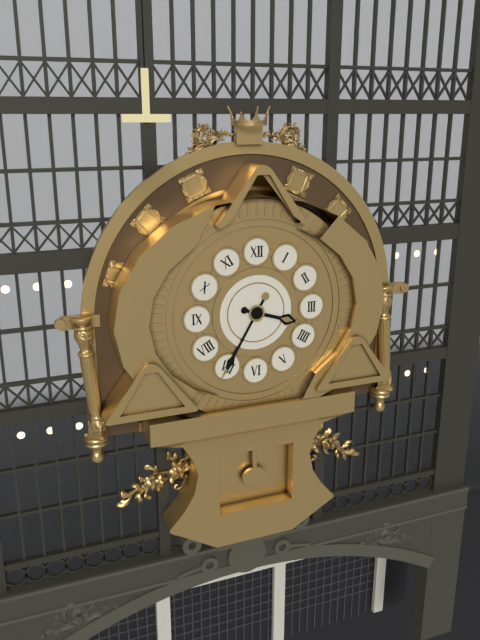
3:35
